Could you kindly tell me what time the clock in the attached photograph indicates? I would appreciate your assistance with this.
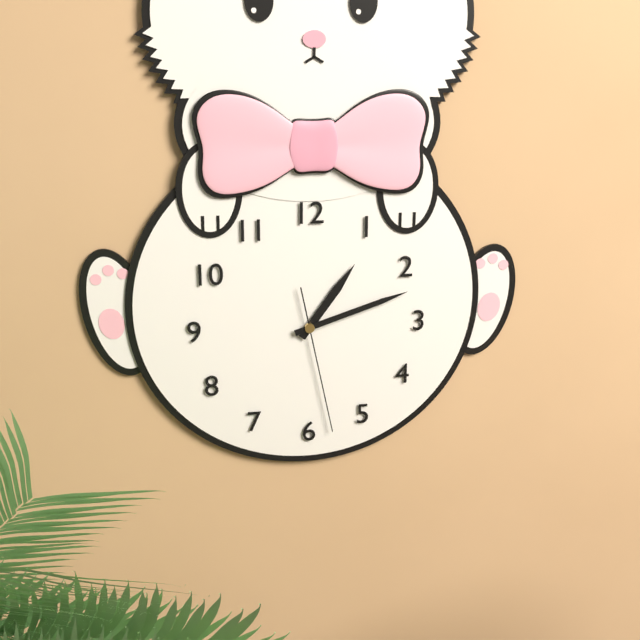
1:12:28
